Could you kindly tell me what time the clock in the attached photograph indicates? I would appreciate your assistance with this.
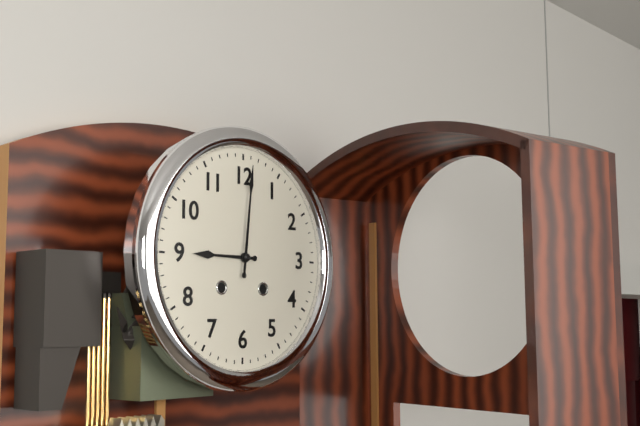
9:01
